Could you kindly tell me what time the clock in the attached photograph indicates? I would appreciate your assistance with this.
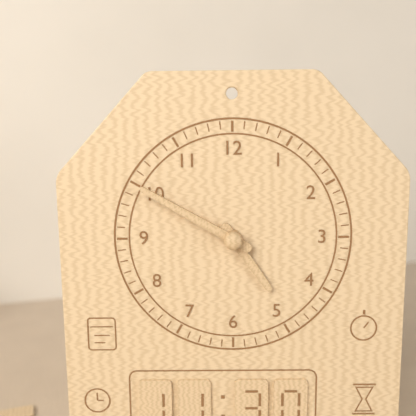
4:50
